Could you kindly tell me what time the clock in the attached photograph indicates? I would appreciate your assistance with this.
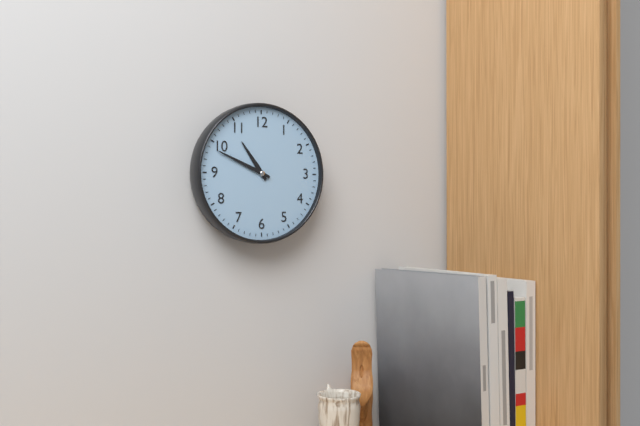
10:49
